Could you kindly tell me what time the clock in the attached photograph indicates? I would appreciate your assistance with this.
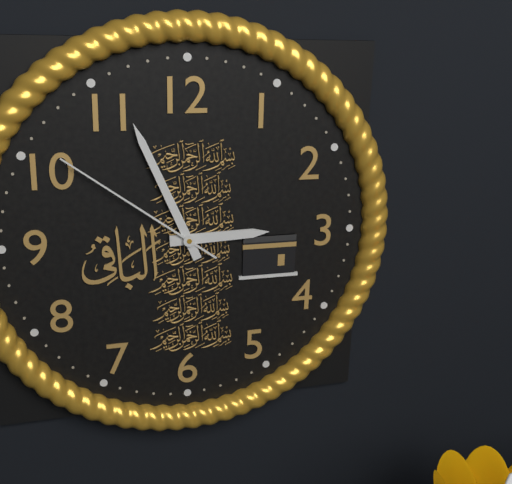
2:56:51
